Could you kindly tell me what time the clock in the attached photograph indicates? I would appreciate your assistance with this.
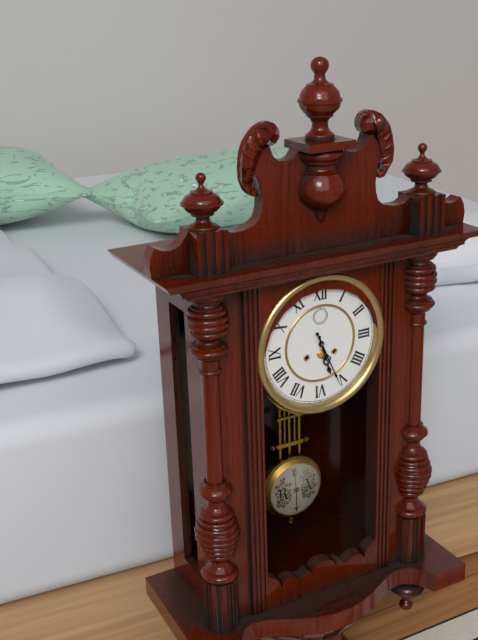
5:26
